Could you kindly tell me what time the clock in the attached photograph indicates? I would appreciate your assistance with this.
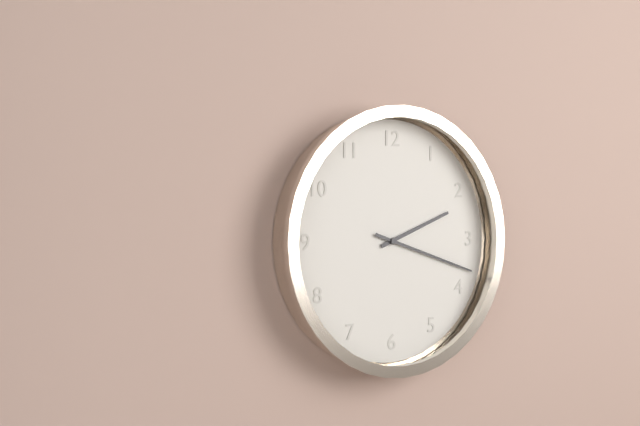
2:18
